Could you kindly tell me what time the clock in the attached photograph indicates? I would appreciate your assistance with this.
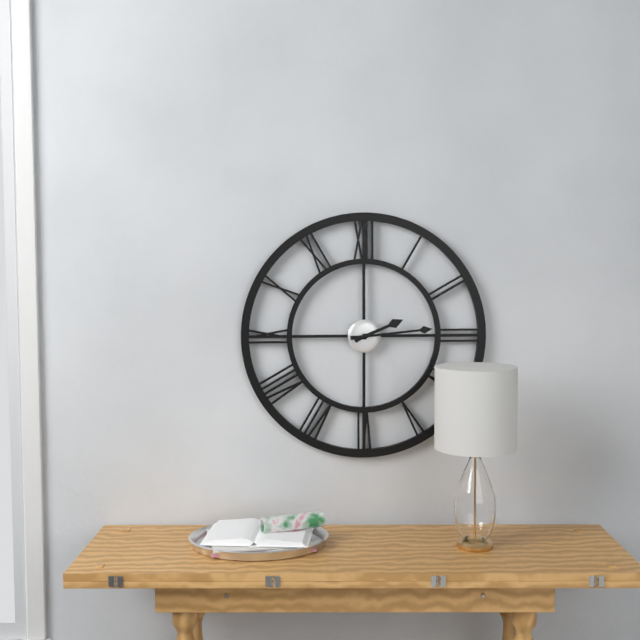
2:14
